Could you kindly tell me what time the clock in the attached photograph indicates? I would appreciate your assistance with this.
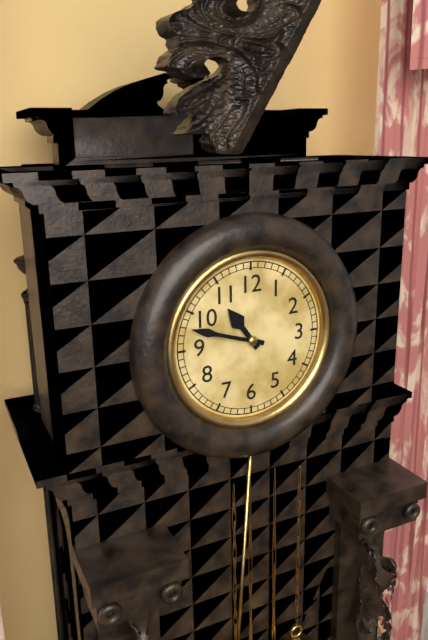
10:48
